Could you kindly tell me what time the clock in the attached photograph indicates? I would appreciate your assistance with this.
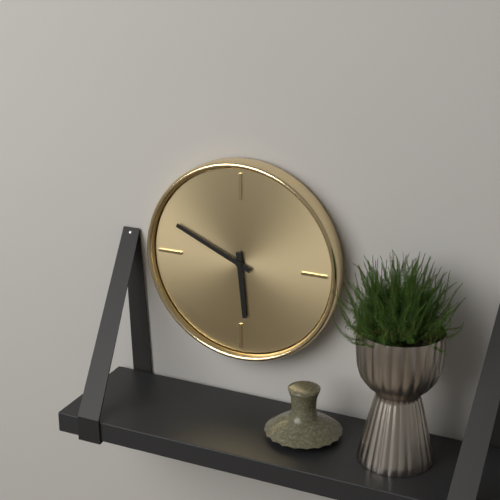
5:49
